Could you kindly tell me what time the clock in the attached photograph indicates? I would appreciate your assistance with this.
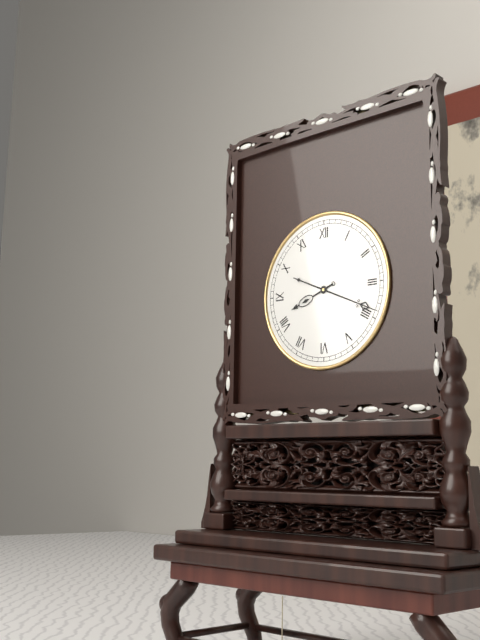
8:19
